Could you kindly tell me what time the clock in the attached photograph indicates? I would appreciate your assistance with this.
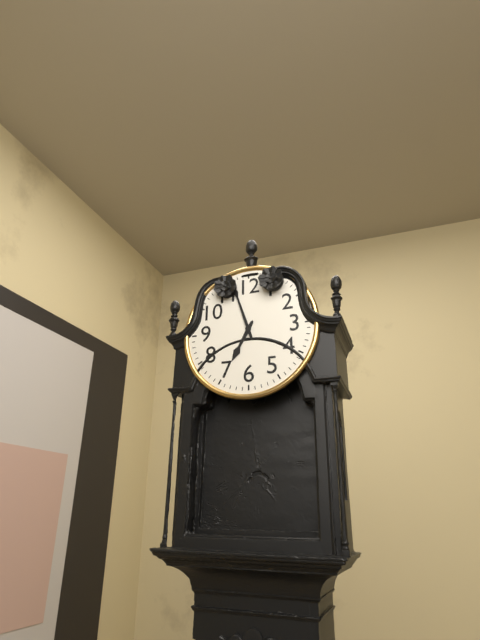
6:57
